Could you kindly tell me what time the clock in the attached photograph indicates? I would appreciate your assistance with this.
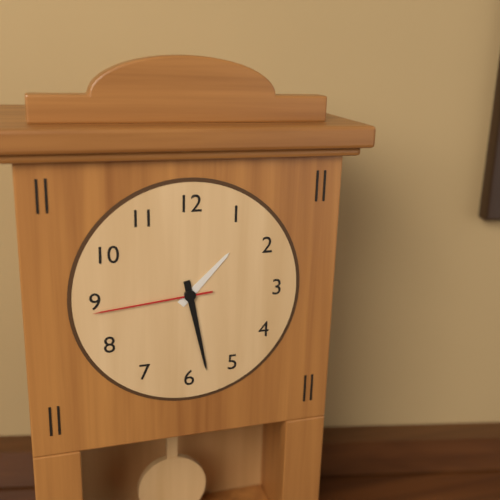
1:28:44
